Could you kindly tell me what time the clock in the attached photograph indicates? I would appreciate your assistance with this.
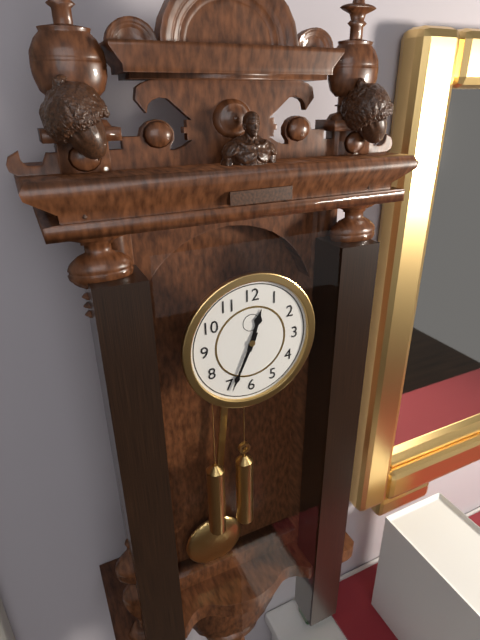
12:34
